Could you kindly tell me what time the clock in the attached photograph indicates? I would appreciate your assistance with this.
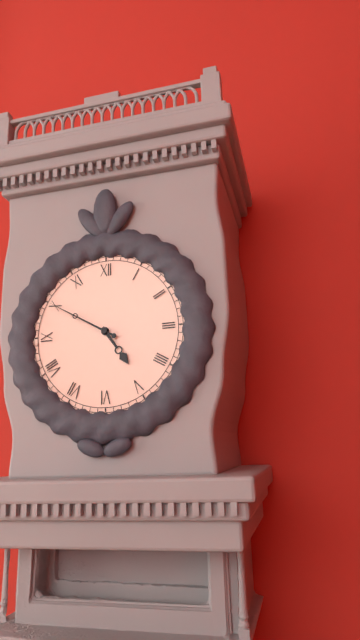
4:50
